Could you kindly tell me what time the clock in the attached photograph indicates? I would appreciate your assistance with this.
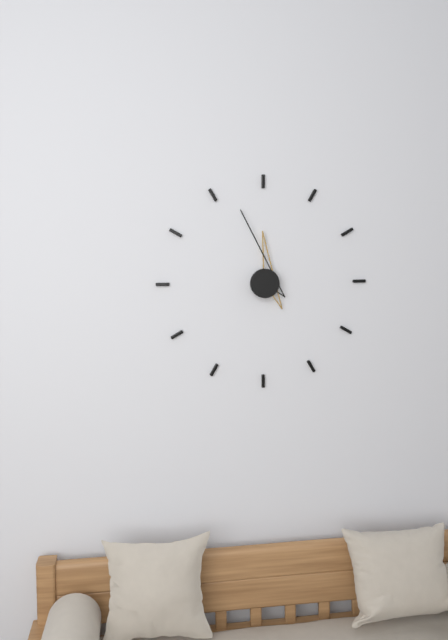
11:57
